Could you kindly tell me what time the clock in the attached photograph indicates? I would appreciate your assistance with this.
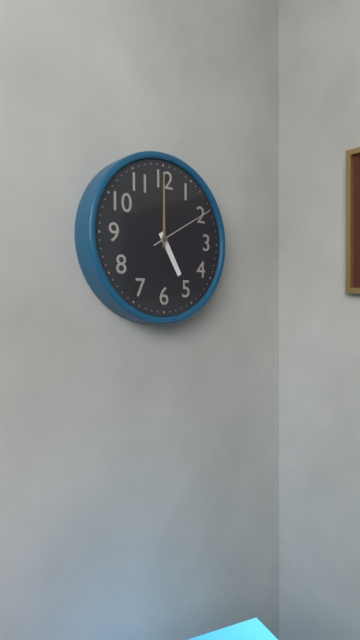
5:00:10
